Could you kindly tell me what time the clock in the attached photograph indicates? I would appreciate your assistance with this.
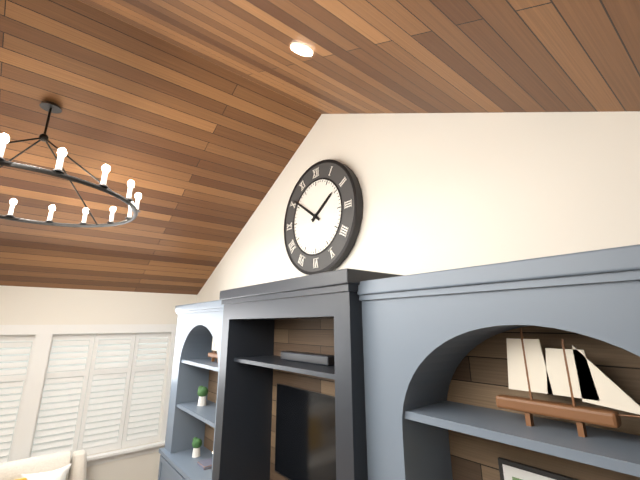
1:51
